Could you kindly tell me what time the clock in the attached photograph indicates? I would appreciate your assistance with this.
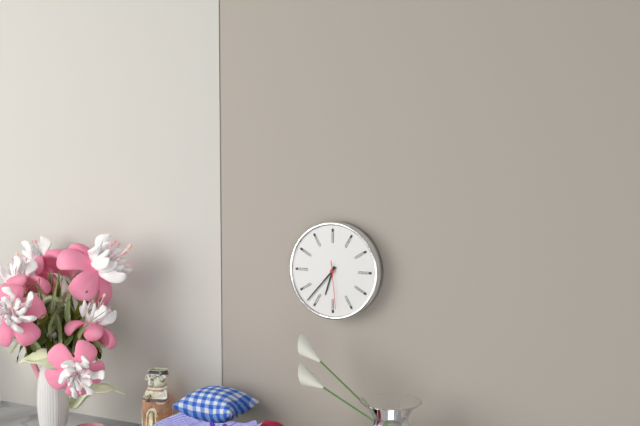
6:37
